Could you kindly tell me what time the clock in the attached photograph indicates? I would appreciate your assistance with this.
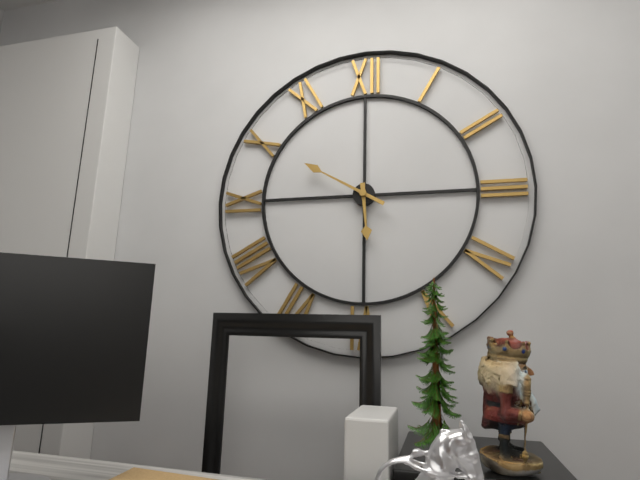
5:50
